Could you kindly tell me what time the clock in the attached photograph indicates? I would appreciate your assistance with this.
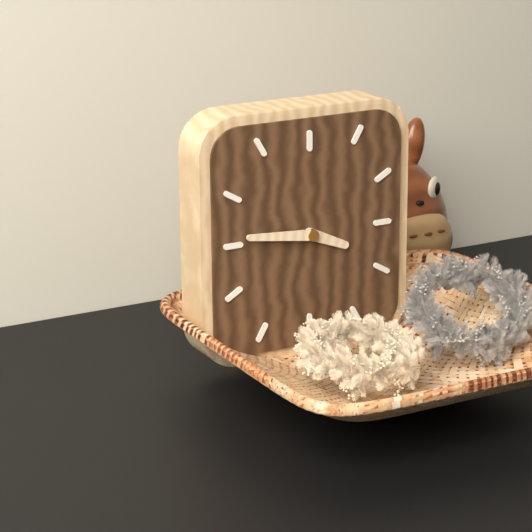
3:46
